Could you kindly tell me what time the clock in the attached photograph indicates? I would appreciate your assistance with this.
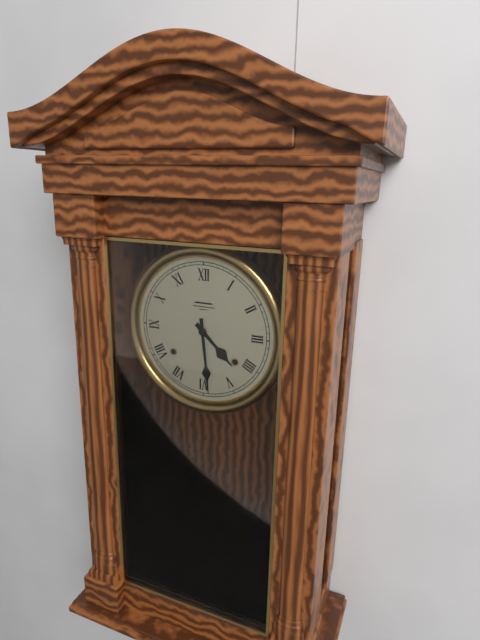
4:29
